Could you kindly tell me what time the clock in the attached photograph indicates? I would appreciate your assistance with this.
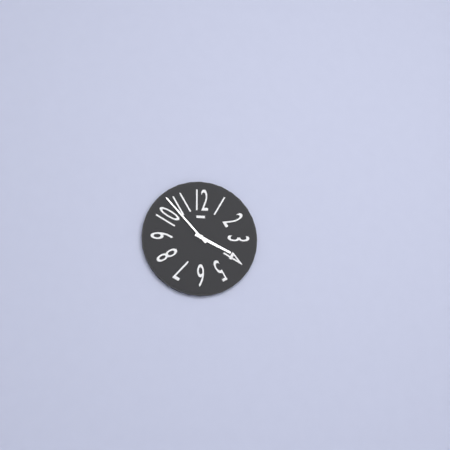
3:53
